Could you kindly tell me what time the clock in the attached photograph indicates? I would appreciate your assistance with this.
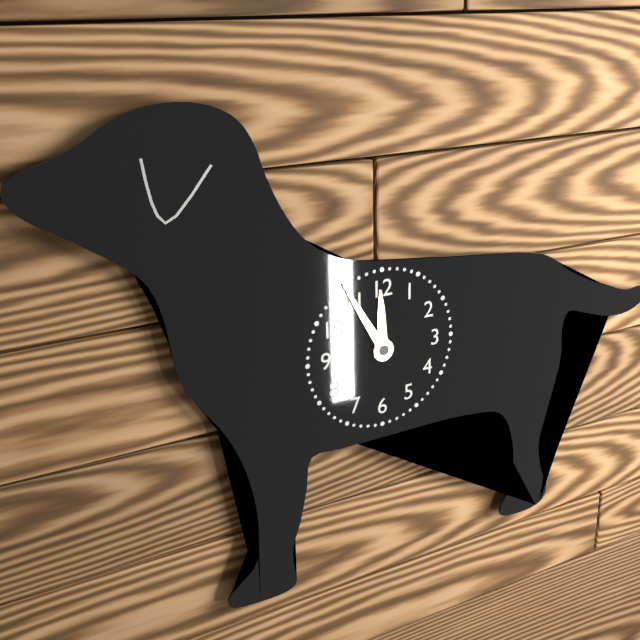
11:55
